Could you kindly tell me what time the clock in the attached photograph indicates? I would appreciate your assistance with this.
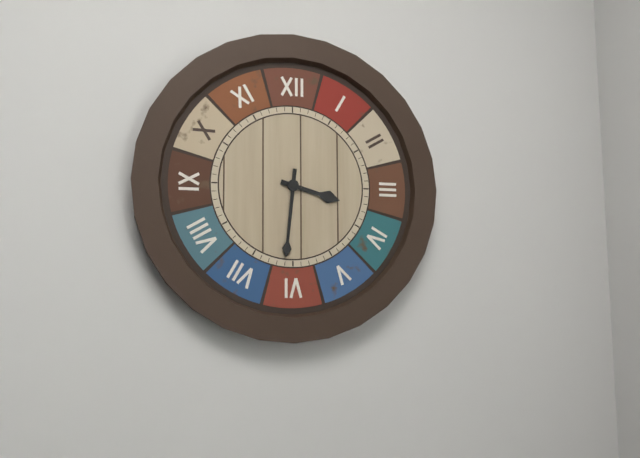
3:31
